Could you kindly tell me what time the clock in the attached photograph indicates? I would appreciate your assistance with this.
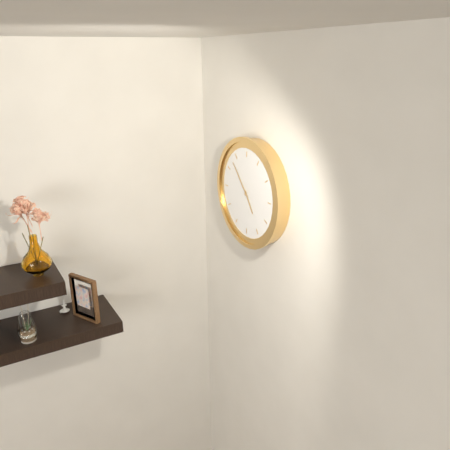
4:53
